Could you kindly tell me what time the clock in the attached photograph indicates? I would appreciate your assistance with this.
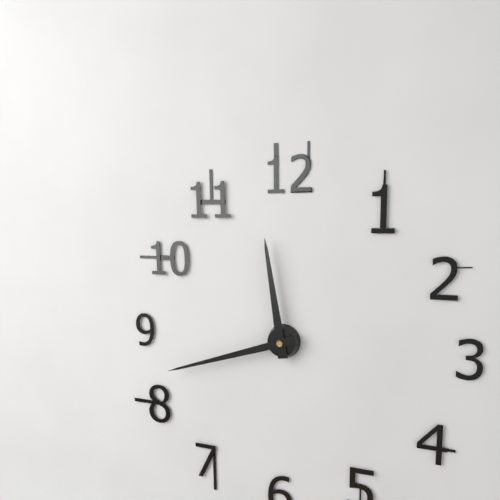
11:42
